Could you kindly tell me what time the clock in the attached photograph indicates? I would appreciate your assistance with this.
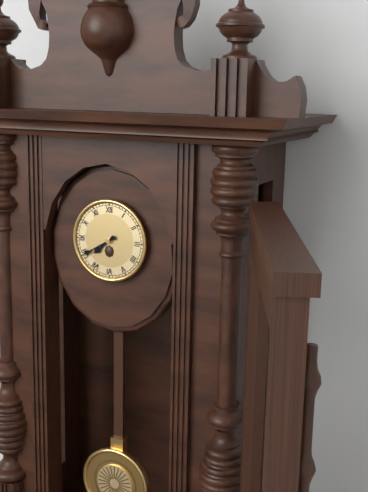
7:40
